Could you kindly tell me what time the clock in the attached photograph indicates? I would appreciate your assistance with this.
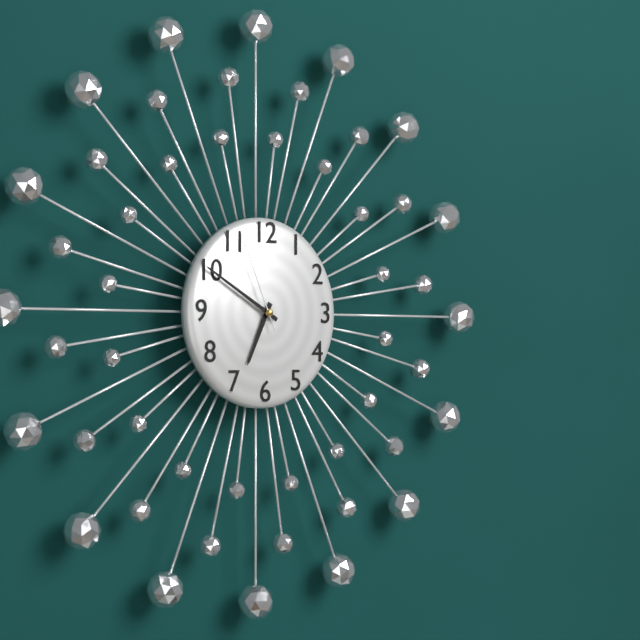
6:50:56
